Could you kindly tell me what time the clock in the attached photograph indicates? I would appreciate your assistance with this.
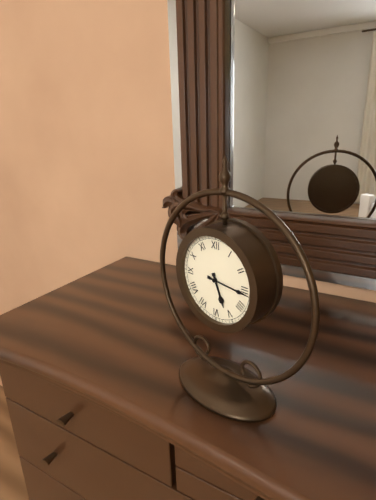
5:16
